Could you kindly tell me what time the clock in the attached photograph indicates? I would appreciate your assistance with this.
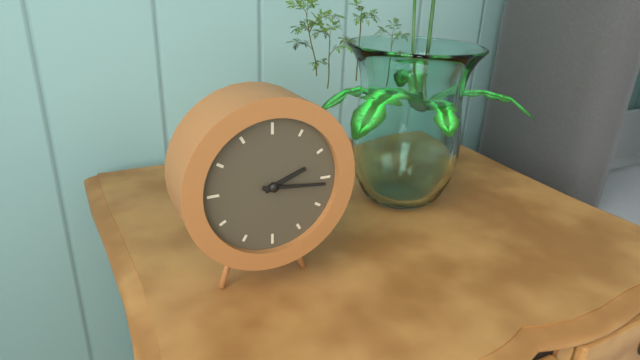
2:16
